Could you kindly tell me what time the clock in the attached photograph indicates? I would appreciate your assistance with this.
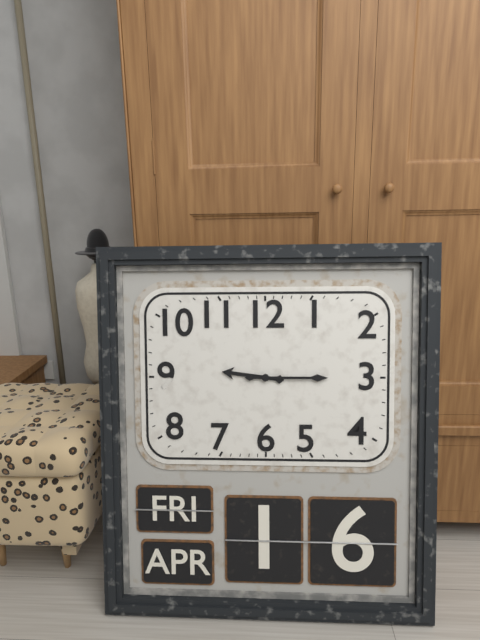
9:15
